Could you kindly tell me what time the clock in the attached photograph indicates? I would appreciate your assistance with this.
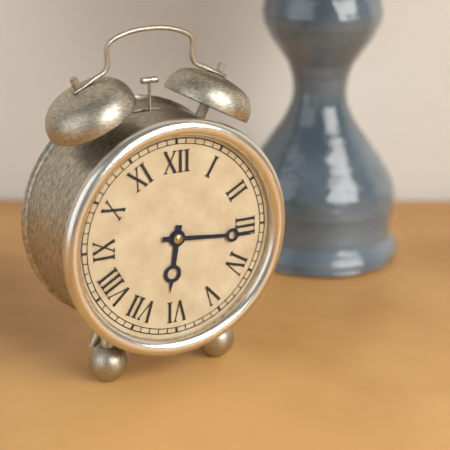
6:16
